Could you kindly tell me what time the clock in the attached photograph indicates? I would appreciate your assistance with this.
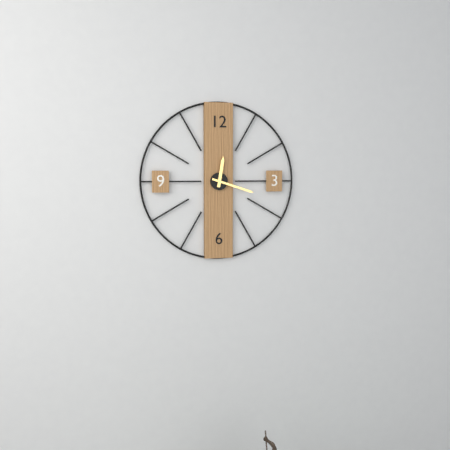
12:18
